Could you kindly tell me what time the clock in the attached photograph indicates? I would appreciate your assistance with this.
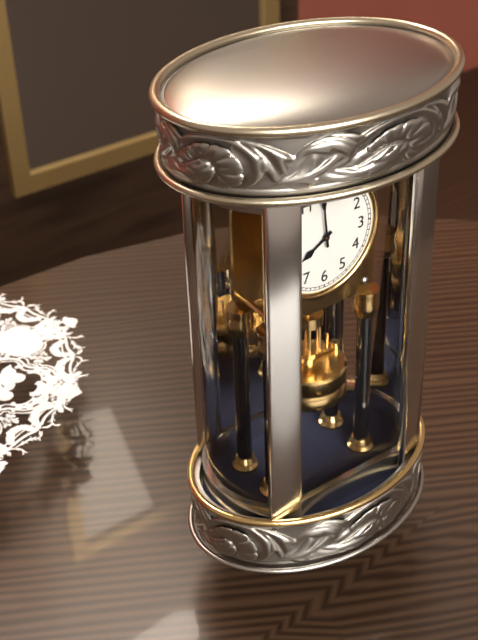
7:59
